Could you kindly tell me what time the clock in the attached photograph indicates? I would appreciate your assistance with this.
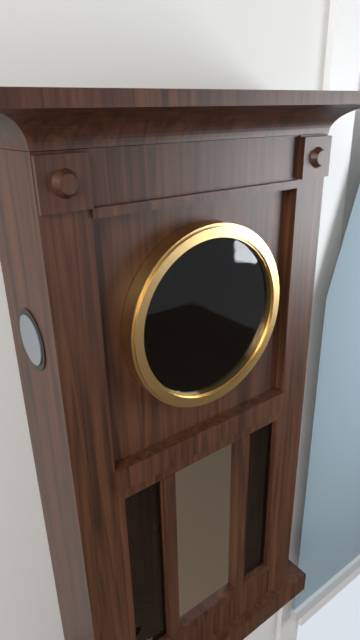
8:49
